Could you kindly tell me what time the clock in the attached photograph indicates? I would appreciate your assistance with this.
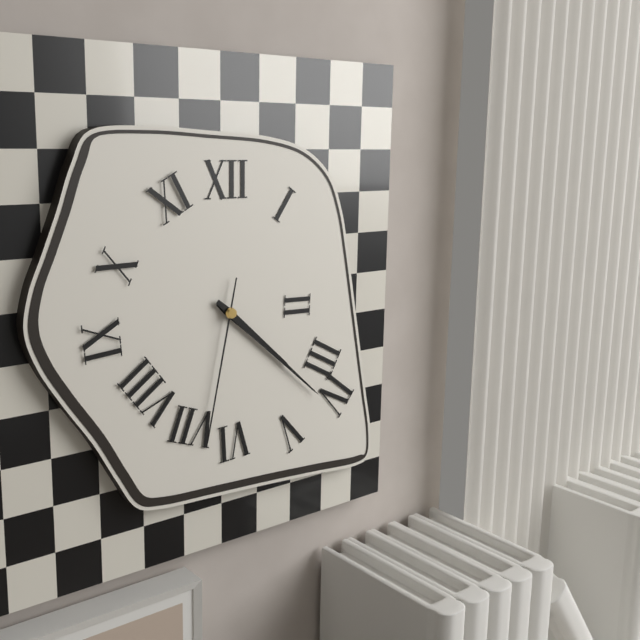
4:22:32
